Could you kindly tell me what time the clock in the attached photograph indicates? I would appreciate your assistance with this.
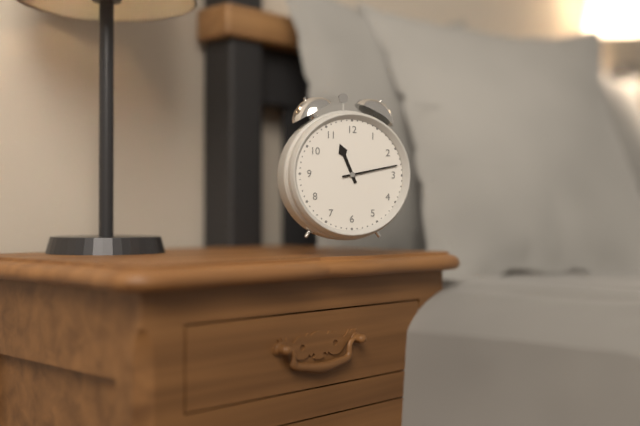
11:13
